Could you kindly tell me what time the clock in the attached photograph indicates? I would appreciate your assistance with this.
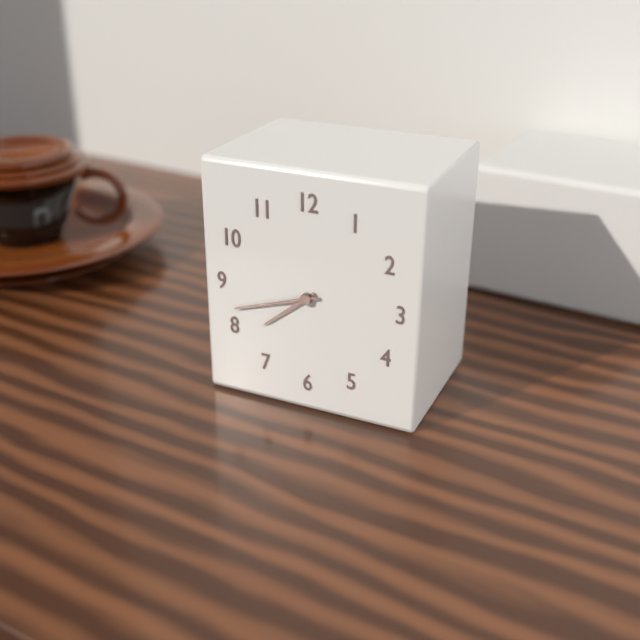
7:42
